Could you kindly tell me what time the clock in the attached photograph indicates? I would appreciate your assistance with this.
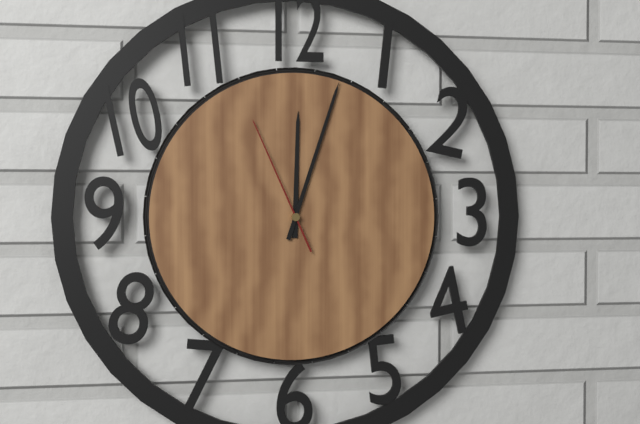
12:03:56
